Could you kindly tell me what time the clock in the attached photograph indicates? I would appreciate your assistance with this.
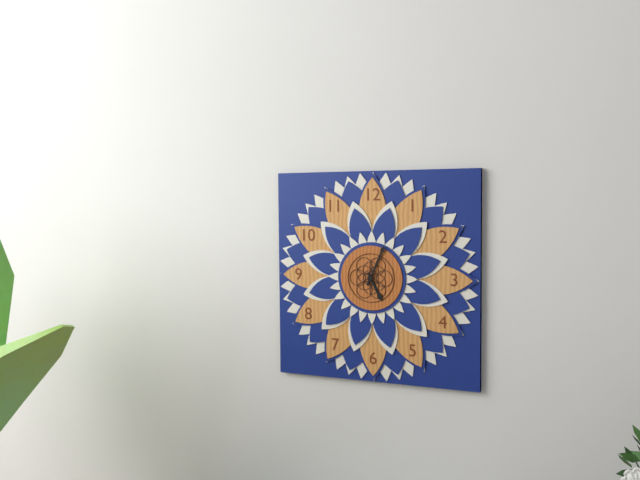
5:04
